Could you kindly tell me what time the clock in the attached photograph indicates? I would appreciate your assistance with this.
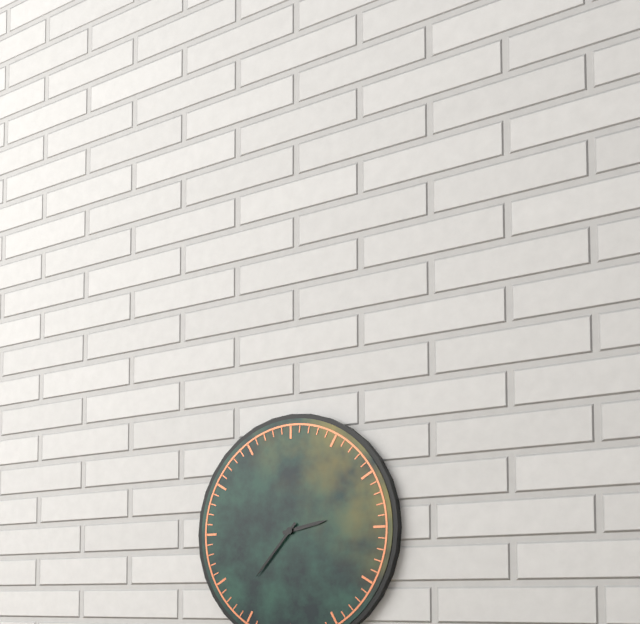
2:37
